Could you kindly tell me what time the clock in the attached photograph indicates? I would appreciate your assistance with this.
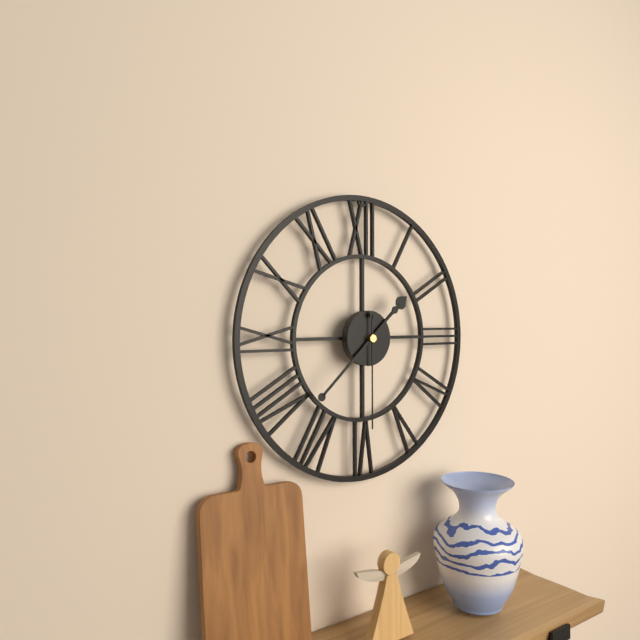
1:38:30
